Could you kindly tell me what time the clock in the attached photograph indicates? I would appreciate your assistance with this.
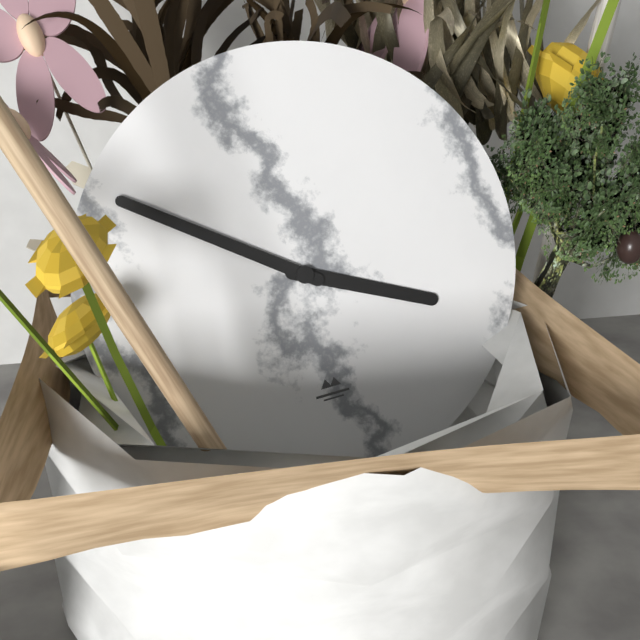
3:51
